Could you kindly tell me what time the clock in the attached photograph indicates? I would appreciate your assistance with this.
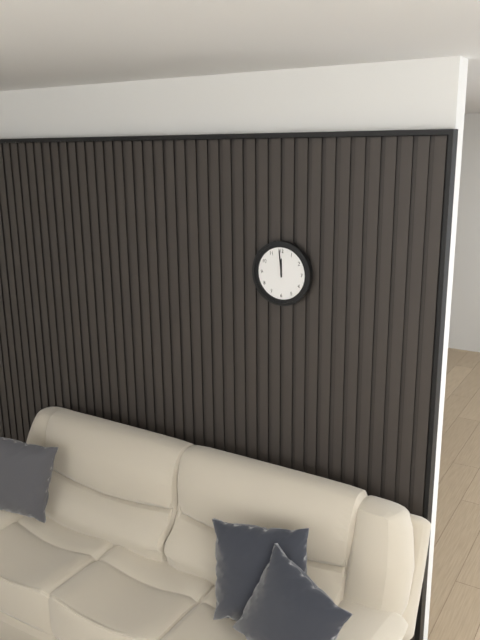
11:59
